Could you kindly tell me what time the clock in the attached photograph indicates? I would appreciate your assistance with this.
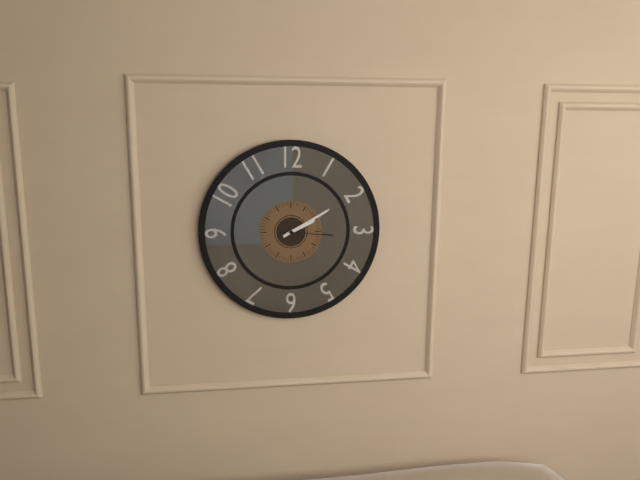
2:10:16
